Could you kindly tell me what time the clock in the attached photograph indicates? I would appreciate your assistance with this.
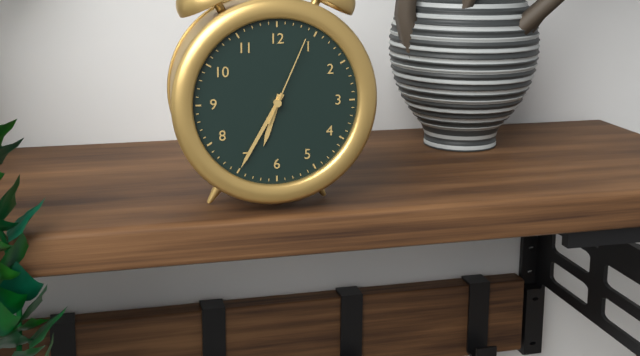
6:35:04
